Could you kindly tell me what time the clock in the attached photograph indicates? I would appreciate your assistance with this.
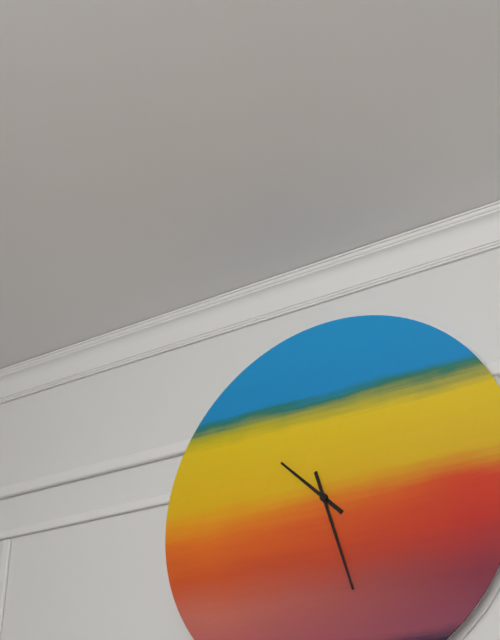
10:27
